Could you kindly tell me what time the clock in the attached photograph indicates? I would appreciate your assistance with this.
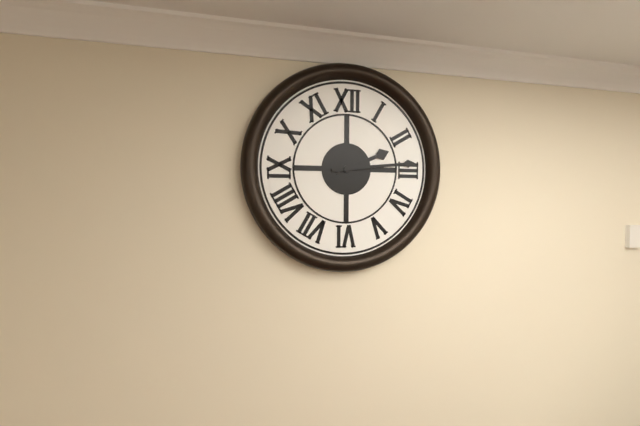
2:14
